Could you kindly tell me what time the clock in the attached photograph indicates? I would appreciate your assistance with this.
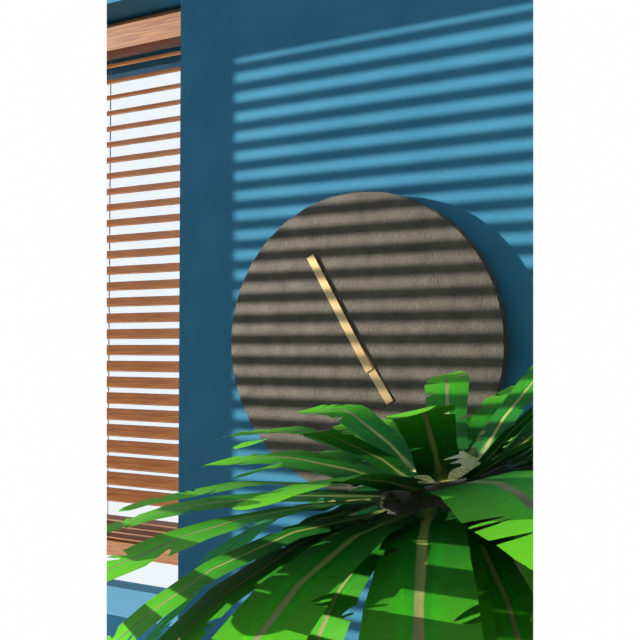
4:55
